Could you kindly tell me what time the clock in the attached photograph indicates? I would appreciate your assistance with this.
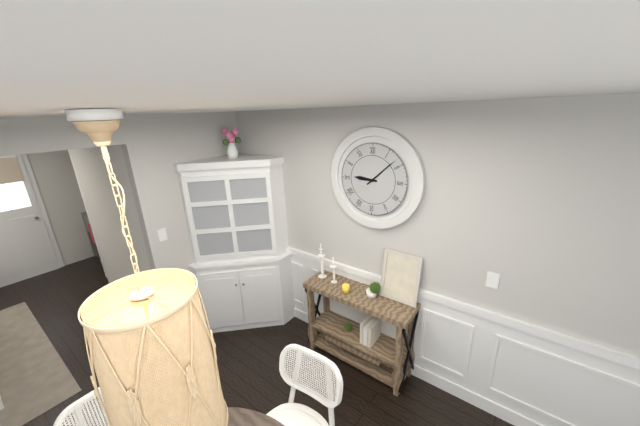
9:08
